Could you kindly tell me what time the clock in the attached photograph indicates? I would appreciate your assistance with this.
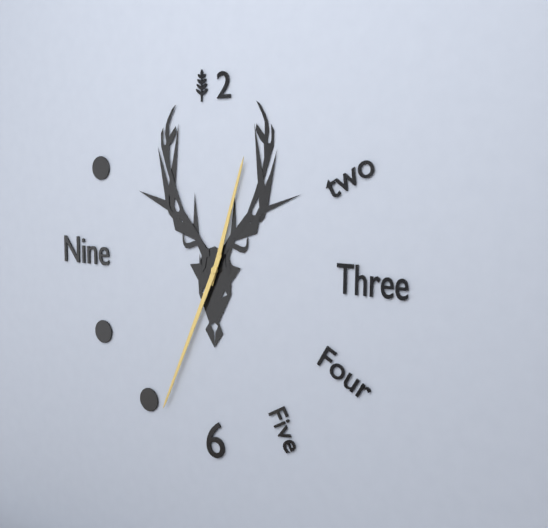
12:34
